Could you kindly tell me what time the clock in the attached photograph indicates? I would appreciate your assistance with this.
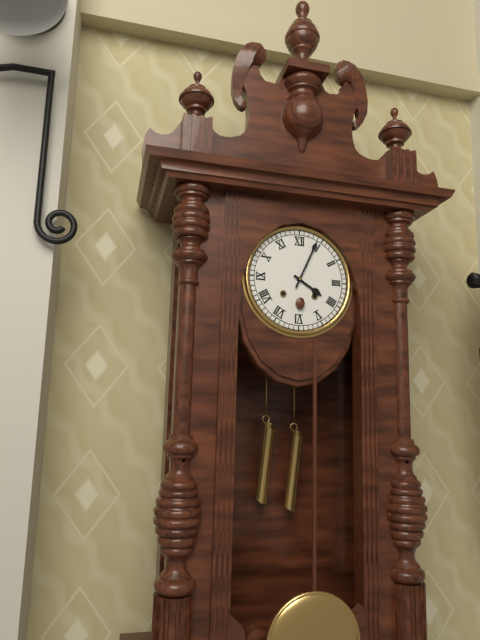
4:04
